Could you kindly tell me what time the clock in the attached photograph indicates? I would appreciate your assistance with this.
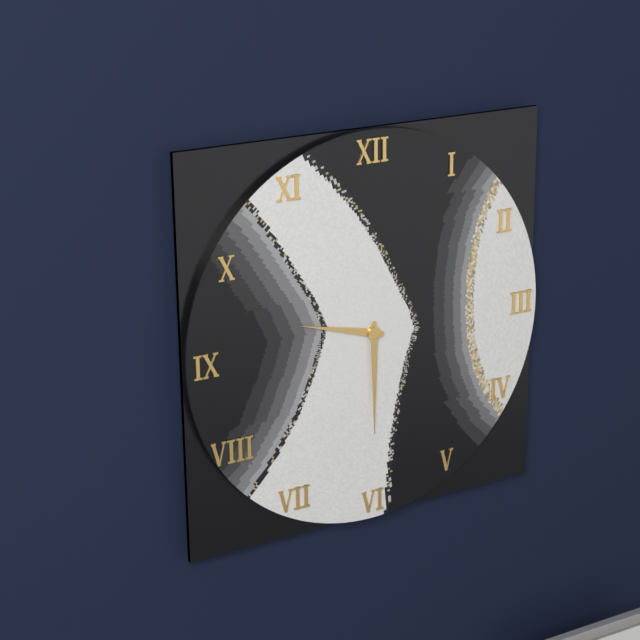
9:30
